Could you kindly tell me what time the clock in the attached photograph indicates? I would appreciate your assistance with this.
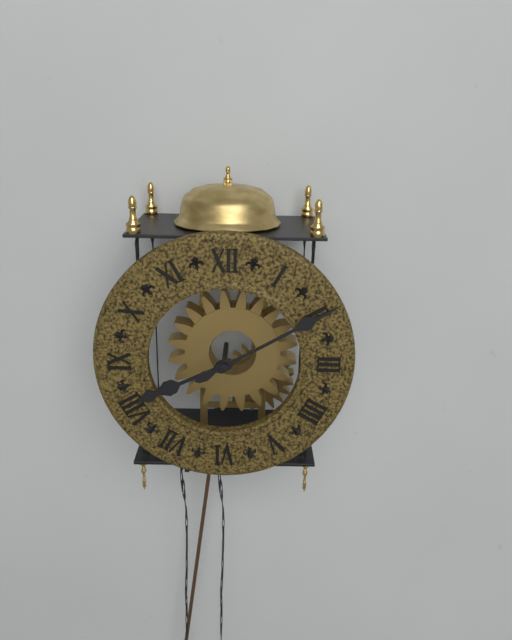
8:10
